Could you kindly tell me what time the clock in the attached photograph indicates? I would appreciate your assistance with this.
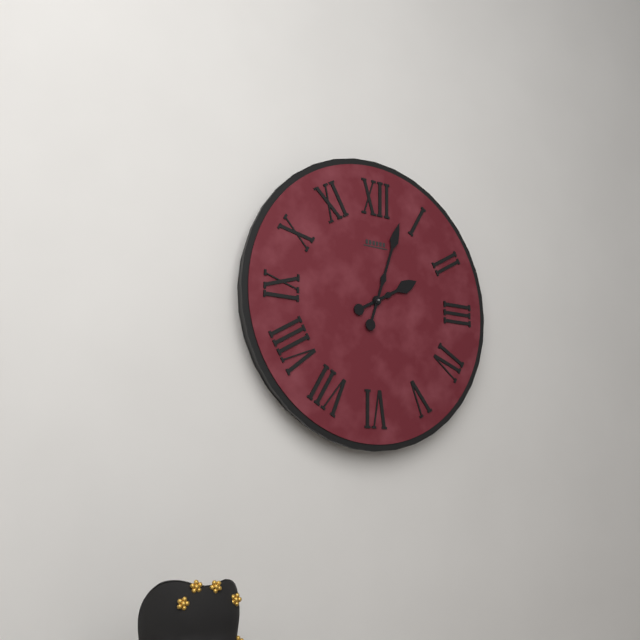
2:03
